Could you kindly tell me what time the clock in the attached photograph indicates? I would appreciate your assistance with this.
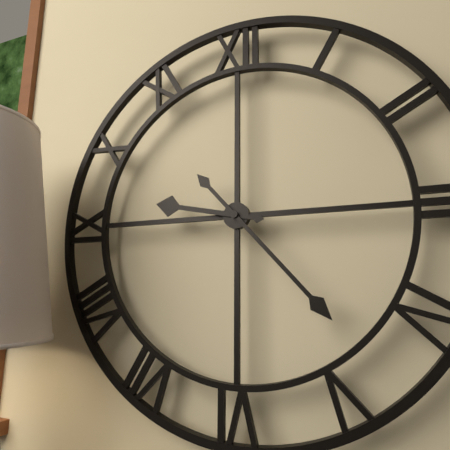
9:23
